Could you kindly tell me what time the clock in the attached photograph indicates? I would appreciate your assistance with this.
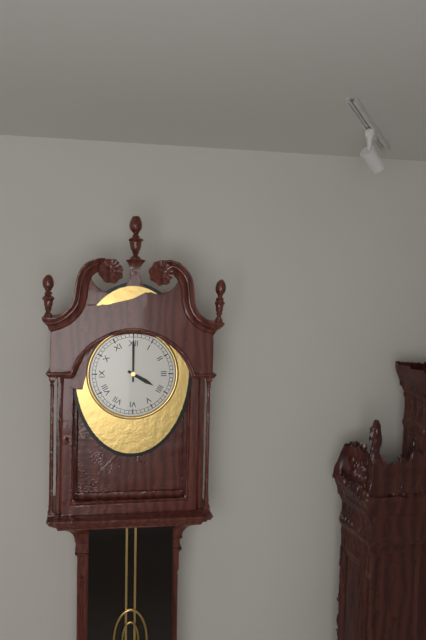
4:00
